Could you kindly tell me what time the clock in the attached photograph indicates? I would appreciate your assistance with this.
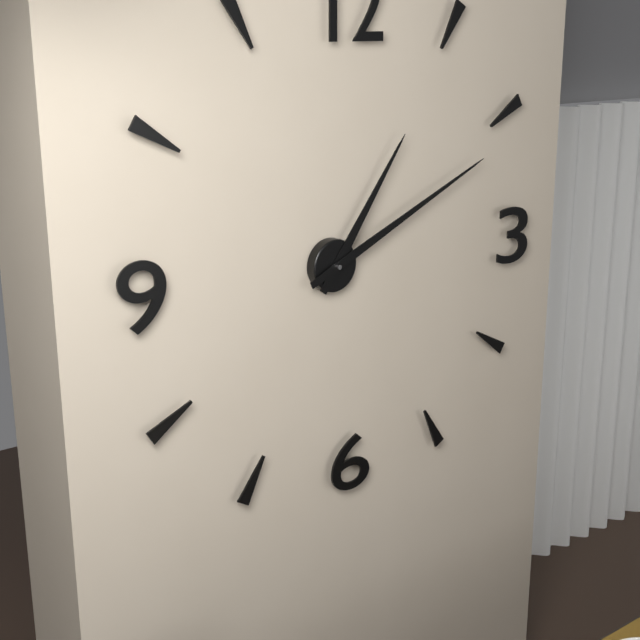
1:11
